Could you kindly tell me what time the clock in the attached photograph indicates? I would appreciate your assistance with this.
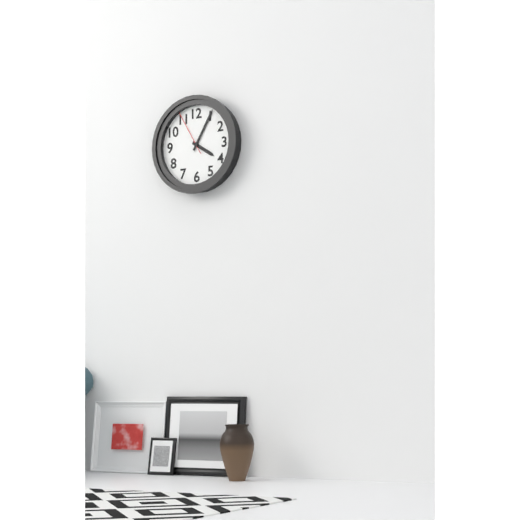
4:05
